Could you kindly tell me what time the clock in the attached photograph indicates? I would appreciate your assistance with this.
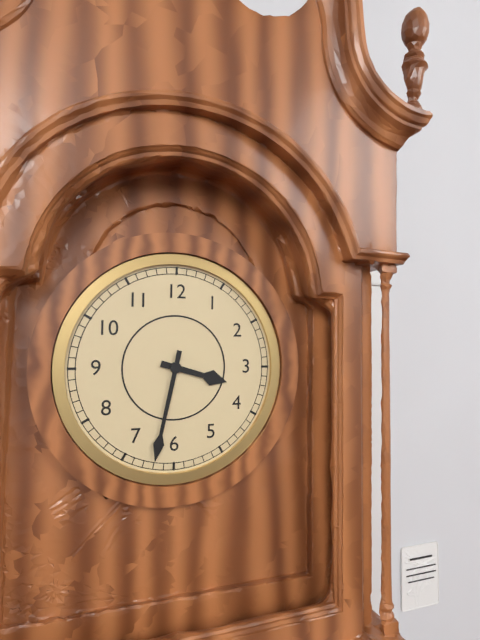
3:32
